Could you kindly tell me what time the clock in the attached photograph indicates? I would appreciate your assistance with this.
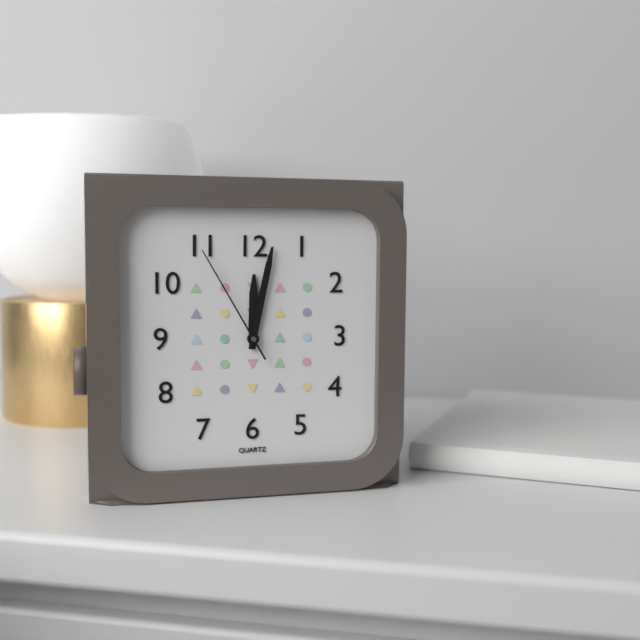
12:02:55
